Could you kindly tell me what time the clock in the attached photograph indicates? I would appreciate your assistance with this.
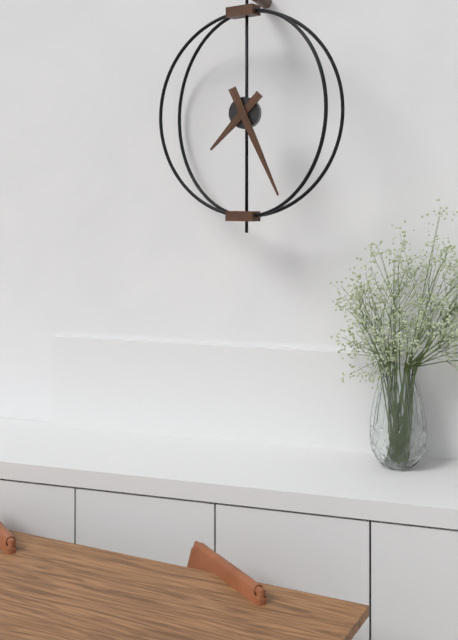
7:26
